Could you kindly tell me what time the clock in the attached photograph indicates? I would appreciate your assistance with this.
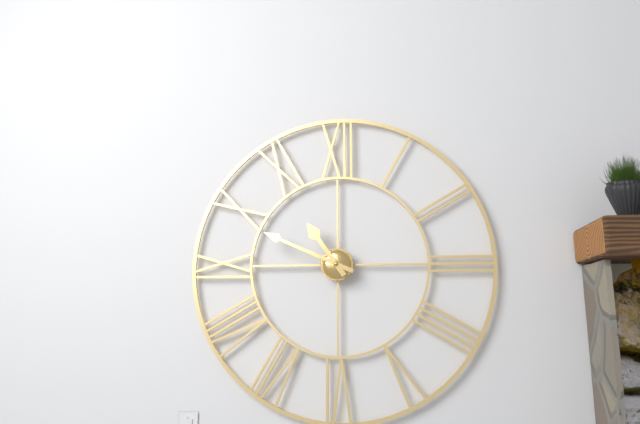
10:49
